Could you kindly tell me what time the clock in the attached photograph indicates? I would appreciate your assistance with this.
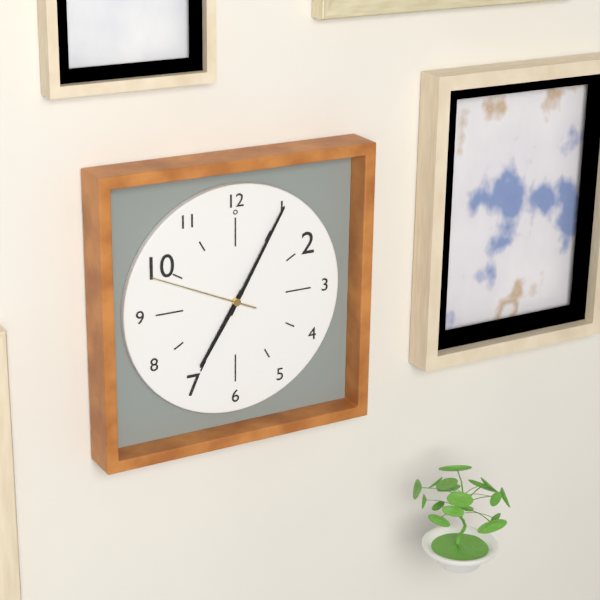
7:05:49
